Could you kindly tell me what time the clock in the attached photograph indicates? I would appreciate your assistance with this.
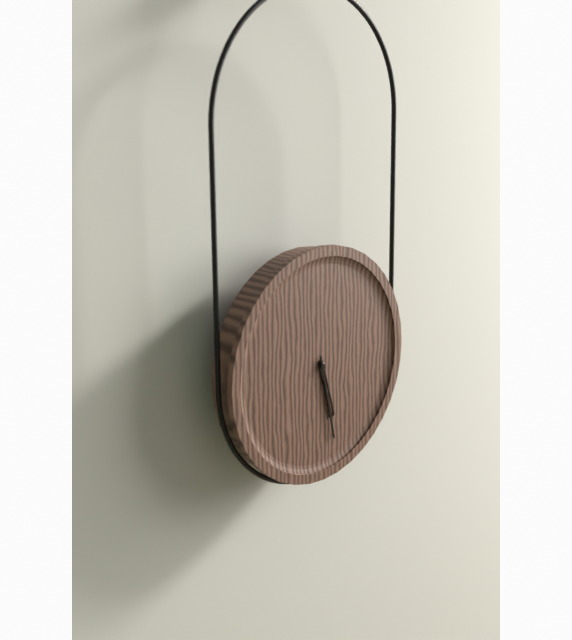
5:28
